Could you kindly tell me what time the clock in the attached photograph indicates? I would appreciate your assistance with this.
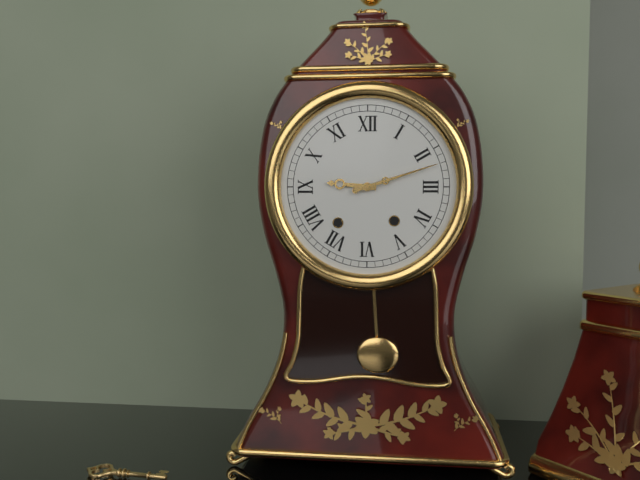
9:12
